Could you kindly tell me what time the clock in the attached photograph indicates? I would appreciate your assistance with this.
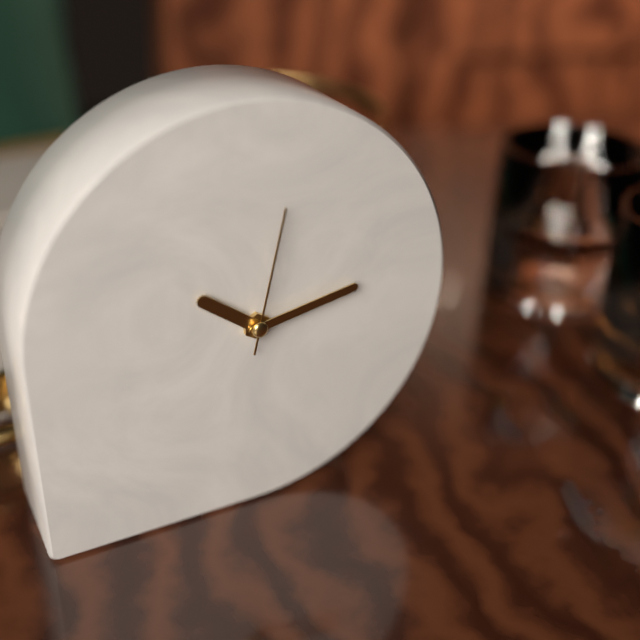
10:13:02
